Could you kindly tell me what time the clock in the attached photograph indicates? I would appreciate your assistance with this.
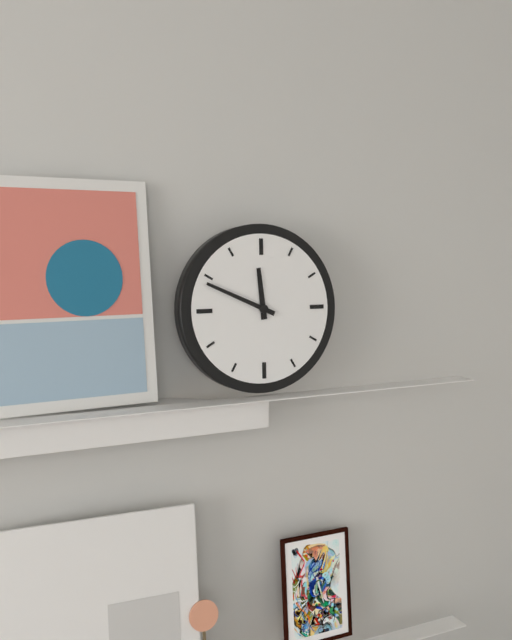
11:49
